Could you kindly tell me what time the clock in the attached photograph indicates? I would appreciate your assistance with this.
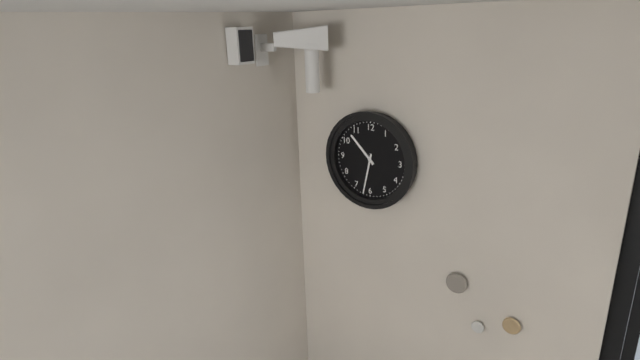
10:32
